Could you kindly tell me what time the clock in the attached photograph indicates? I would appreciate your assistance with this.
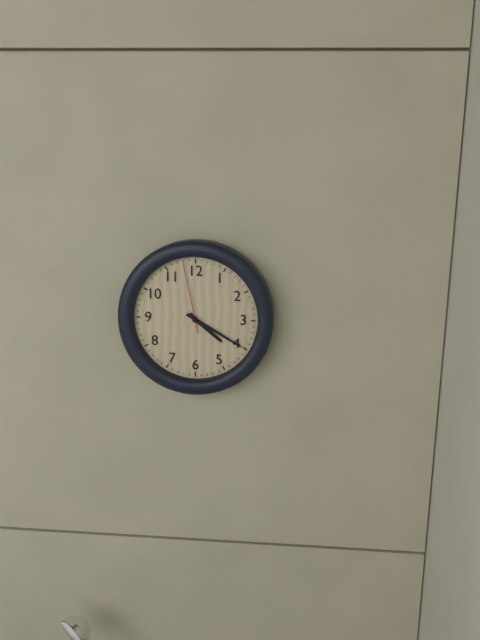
4:20:58
